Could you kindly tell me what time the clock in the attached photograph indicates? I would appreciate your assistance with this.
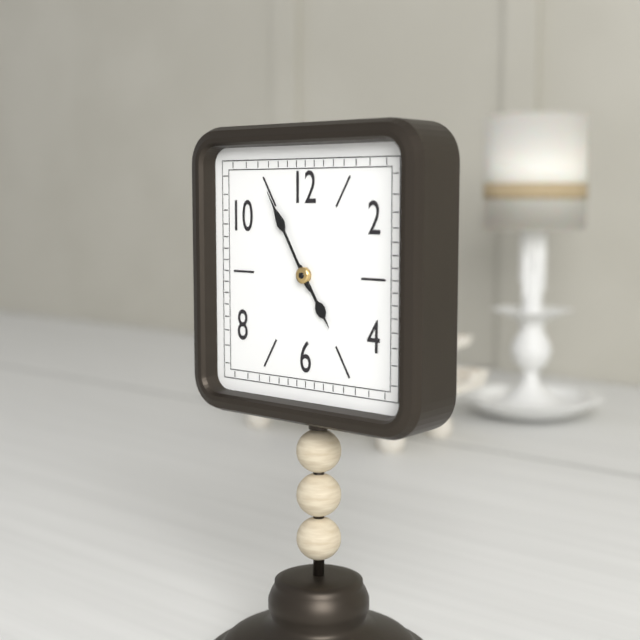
4:55
